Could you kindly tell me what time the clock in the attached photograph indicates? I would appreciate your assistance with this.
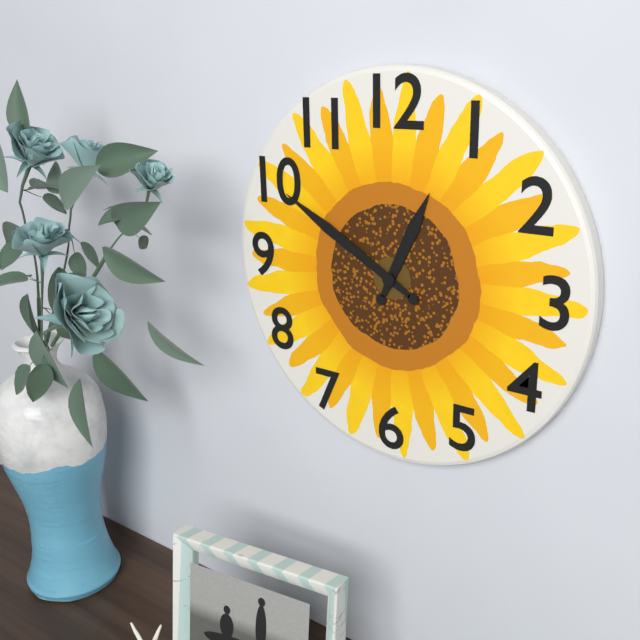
12:50
